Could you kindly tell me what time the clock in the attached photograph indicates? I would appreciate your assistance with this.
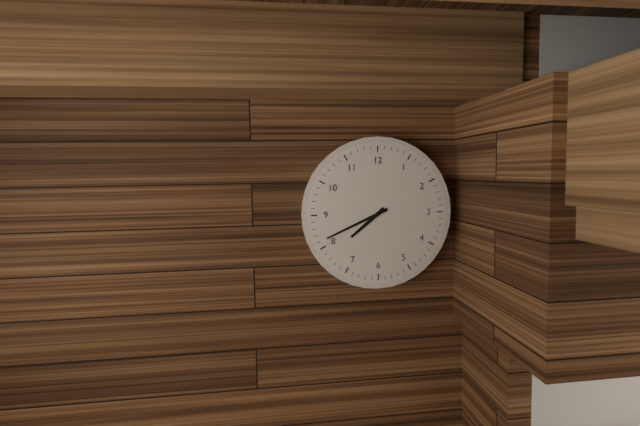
7:41
